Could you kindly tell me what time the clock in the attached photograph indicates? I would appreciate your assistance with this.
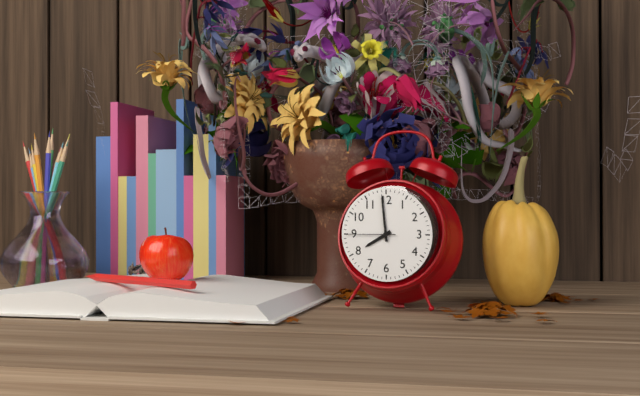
7:59:45
